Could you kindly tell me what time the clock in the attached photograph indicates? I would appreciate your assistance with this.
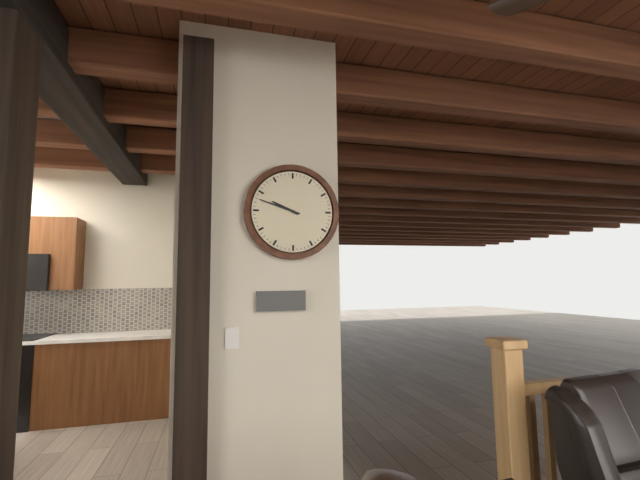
9:48
